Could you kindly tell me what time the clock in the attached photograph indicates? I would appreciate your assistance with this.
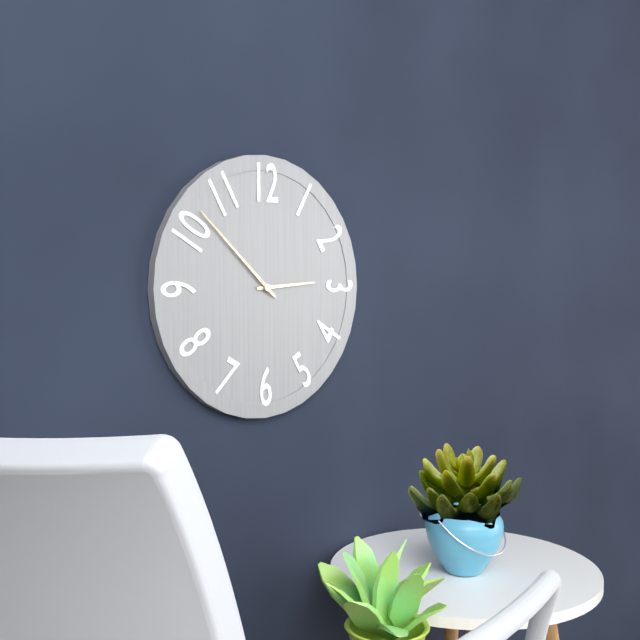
2:52
